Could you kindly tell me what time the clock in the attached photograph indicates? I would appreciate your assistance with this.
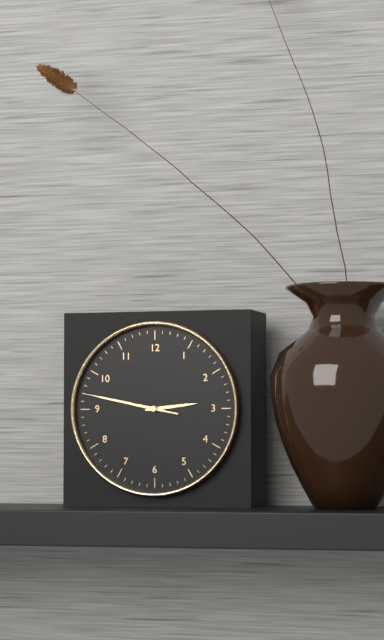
2:47:47
